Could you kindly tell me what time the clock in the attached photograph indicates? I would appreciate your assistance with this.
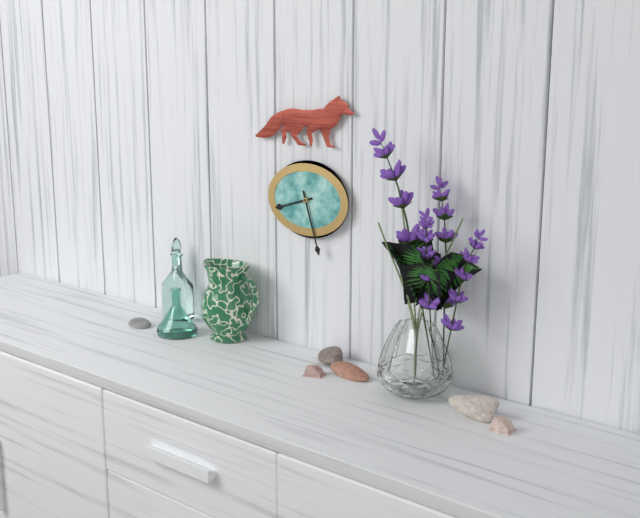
8:27
